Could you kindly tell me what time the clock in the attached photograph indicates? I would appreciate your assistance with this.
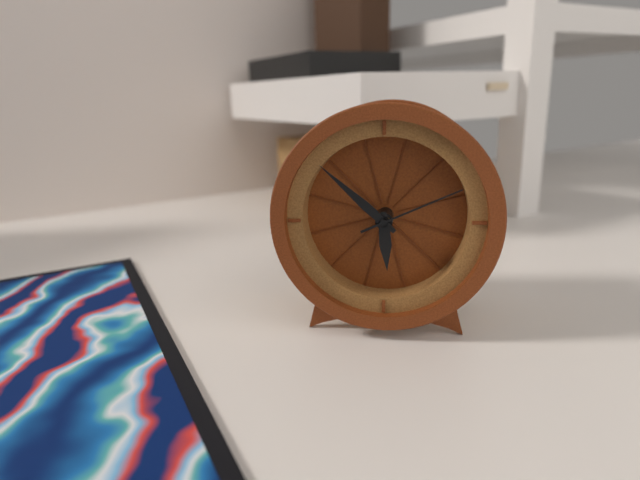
5:52:11
